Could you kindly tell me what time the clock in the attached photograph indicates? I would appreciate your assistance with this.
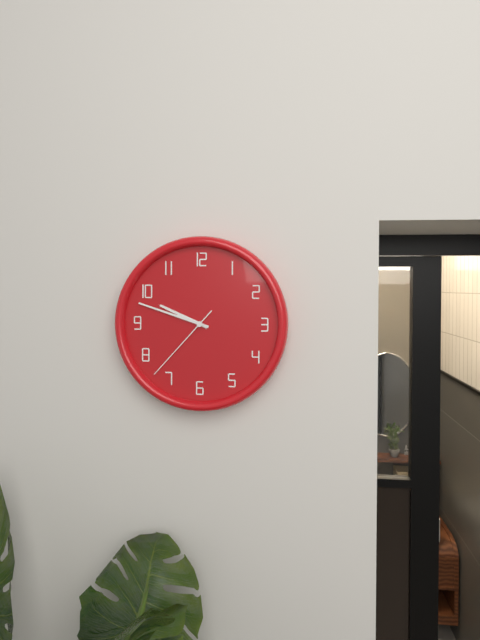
9:48:37
